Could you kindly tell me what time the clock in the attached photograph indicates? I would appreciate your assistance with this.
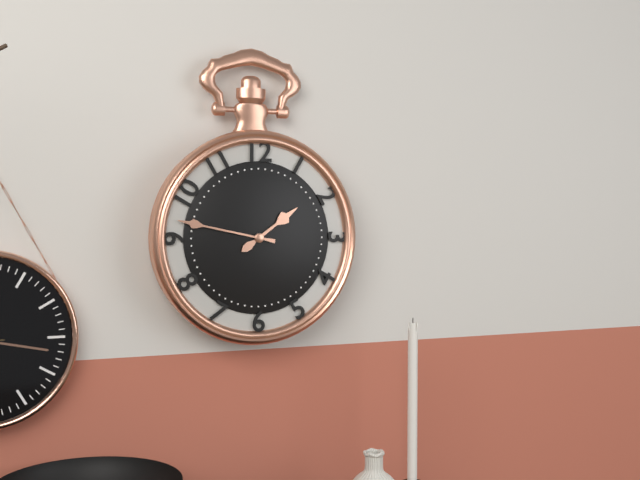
1:47
